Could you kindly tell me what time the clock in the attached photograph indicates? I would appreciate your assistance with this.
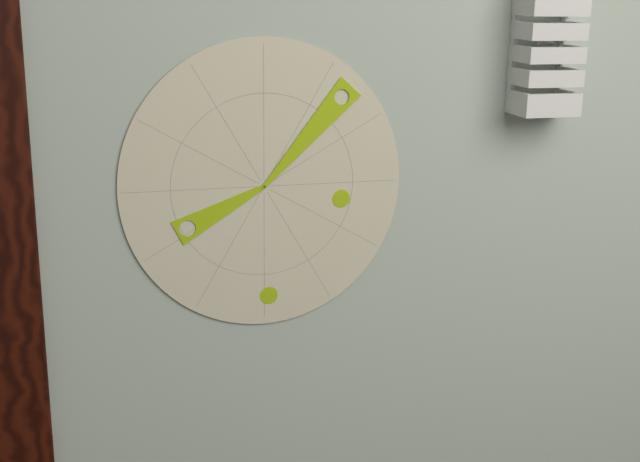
8:07
